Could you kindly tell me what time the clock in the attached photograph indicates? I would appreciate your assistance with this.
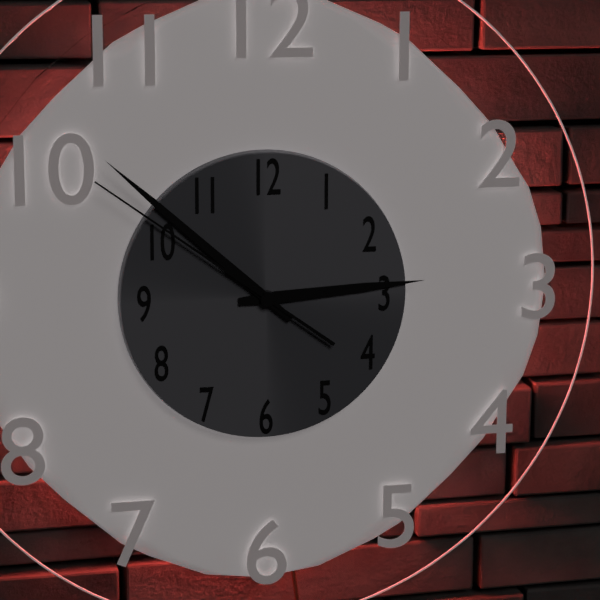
2:52:51
